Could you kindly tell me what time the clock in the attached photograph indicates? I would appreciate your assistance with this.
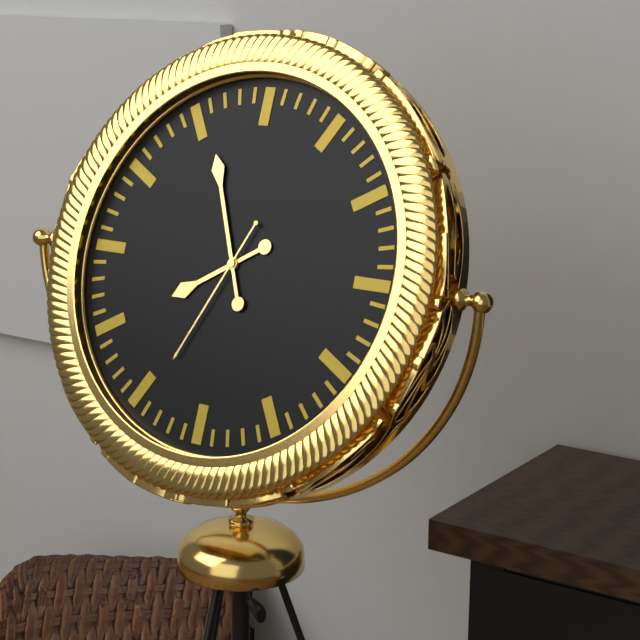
7:56:34
